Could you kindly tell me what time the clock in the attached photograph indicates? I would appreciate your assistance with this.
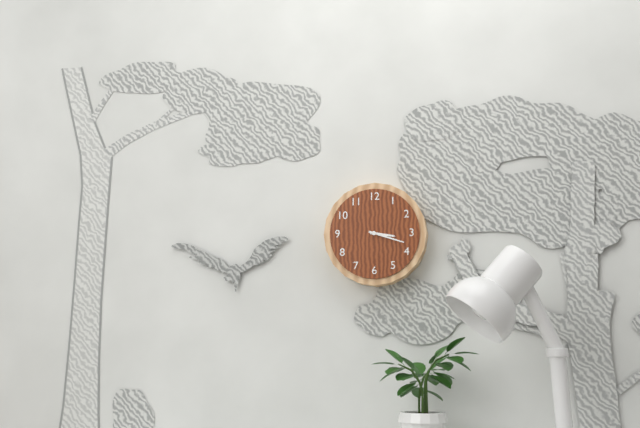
3:18
